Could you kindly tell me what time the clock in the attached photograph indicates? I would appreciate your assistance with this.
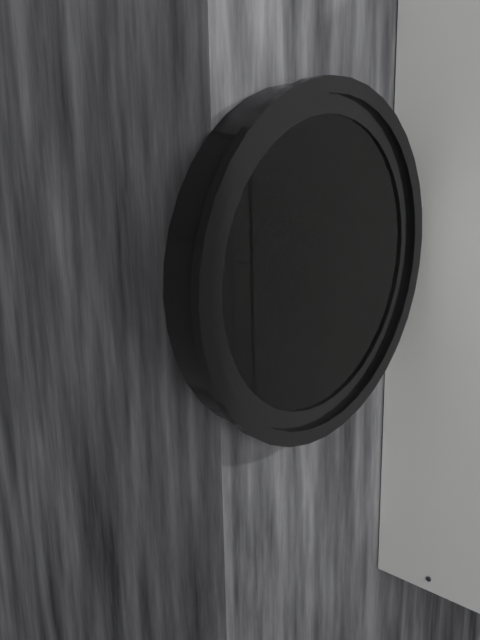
11:55
